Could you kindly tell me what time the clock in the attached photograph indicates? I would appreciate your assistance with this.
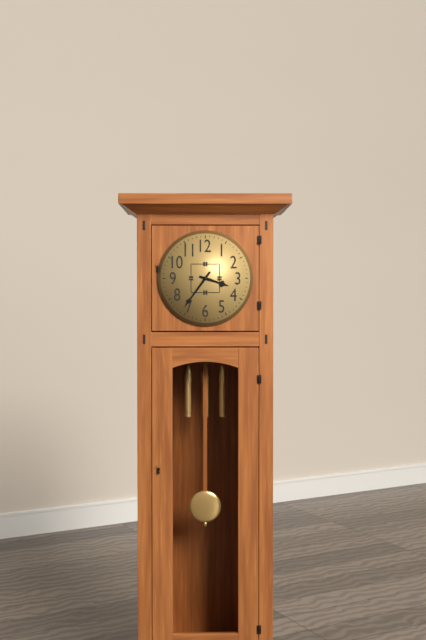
3:36
